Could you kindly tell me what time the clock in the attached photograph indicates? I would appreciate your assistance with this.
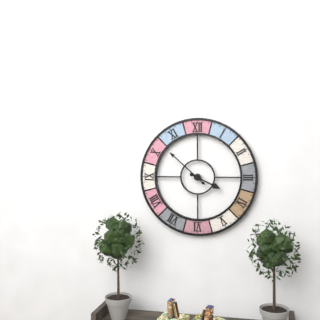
3:52
